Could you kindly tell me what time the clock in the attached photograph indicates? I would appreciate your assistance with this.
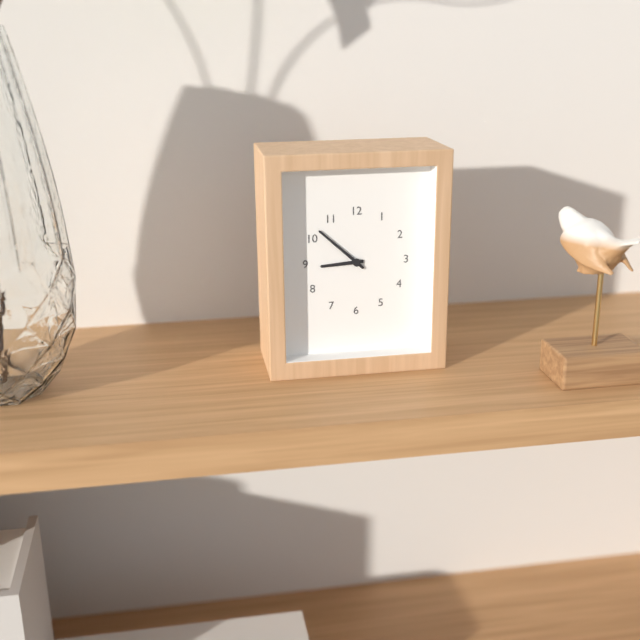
8:52
